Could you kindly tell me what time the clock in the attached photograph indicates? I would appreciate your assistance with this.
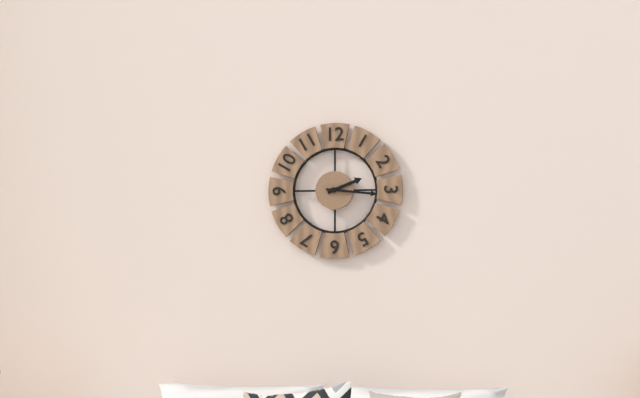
2:16
